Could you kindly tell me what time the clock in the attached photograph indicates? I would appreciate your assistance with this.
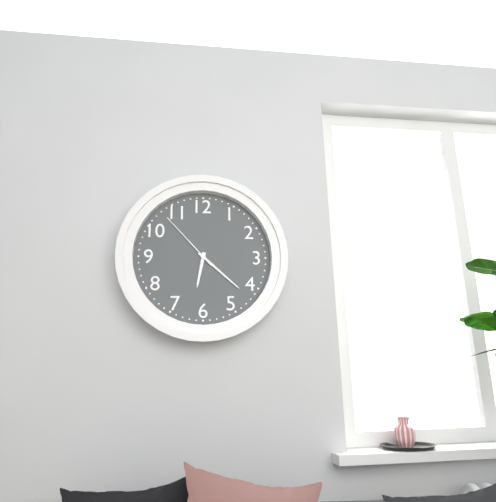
6:22:53
